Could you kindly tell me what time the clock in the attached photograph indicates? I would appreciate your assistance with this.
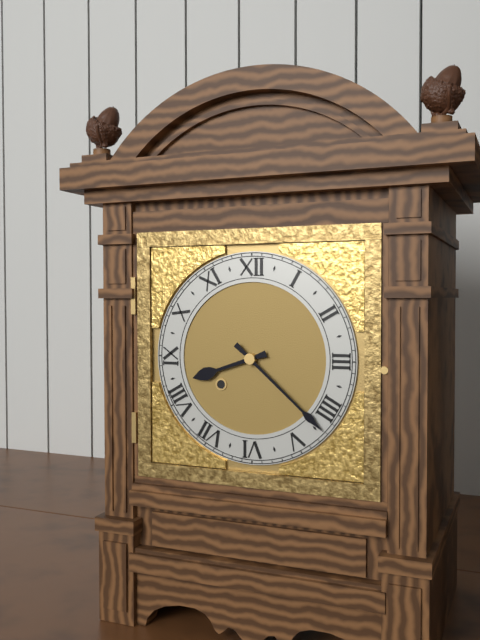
8:22
